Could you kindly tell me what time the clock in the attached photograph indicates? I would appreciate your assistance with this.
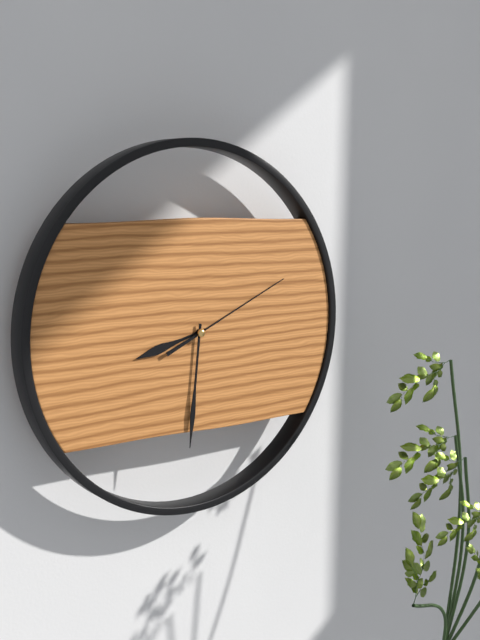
8:31:11
